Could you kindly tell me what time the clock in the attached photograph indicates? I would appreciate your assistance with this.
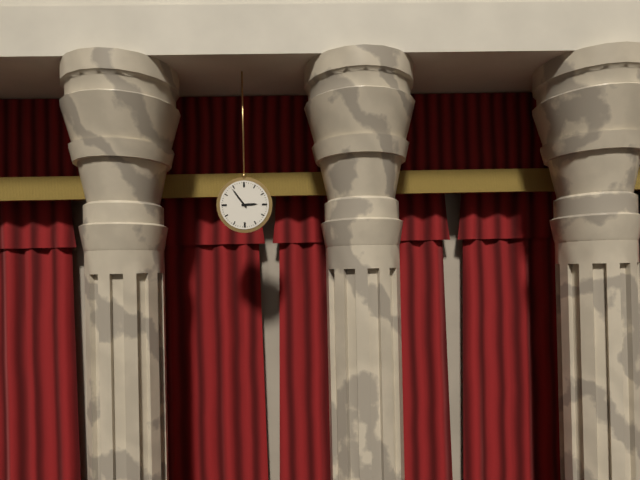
2:54
